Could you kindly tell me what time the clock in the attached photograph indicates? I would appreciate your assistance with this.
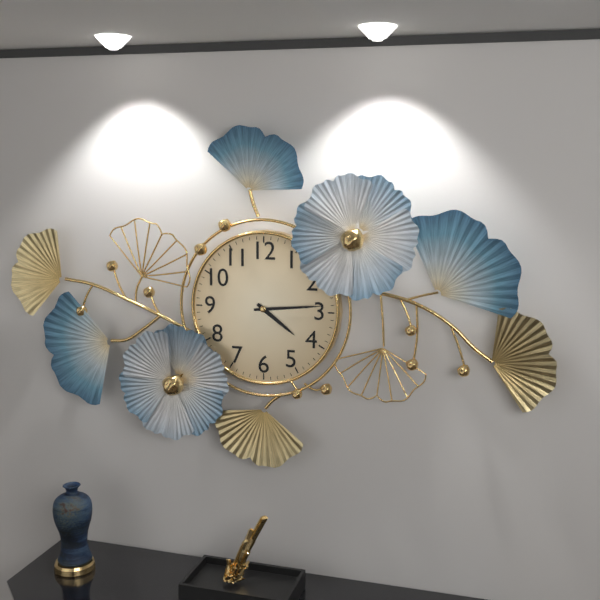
4:14
